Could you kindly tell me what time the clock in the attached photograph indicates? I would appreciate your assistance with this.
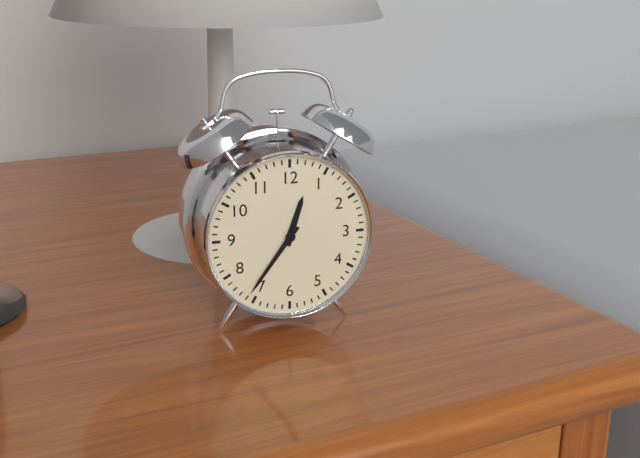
12:36
